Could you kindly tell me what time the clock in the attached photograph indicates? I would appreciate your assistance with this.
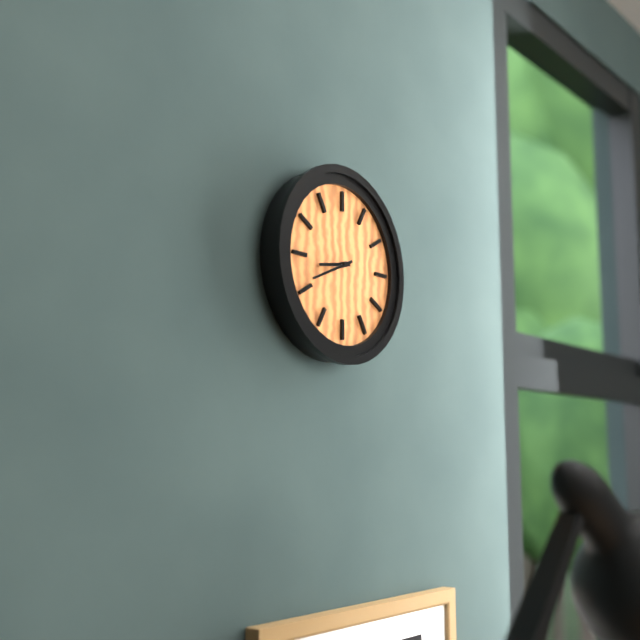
8:41
